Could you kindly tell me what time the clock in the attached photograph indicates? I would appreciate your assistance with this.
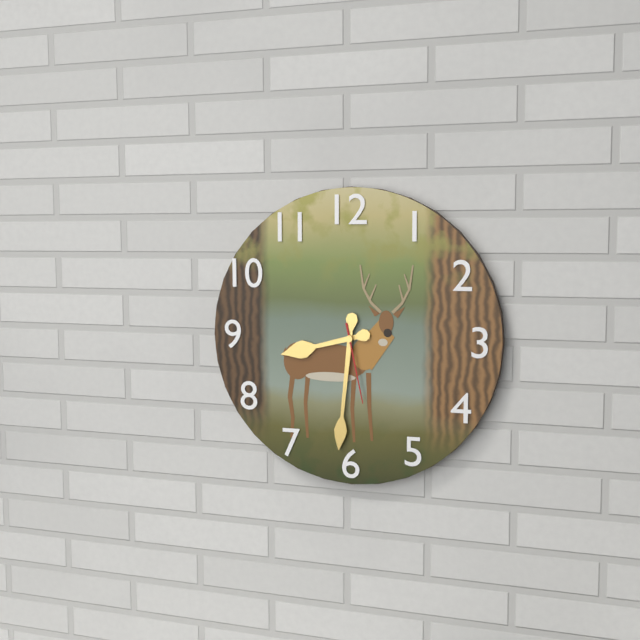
8:31:28
